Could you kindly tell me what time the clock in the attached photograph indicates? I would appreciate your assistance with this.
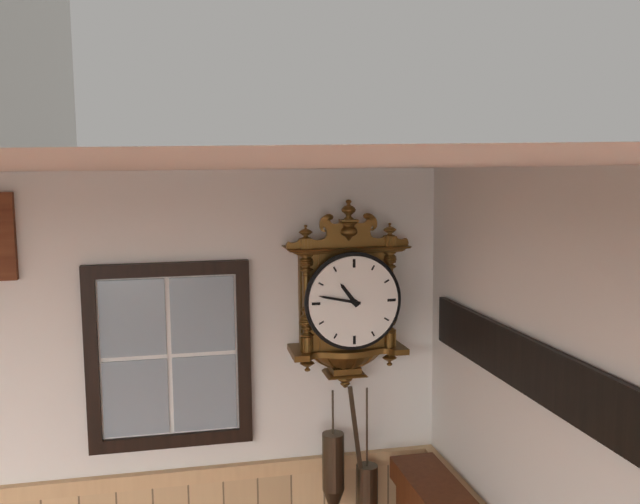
10:47
